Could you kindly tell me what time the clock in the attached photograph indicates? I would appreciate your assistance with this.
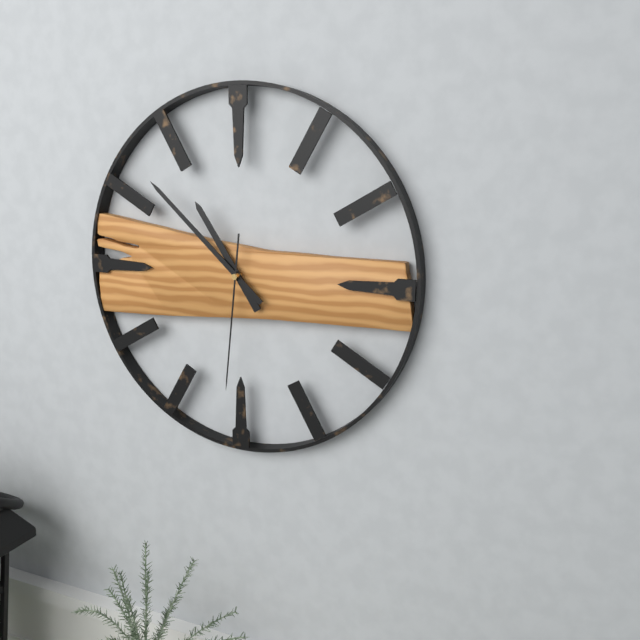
10:52:31
